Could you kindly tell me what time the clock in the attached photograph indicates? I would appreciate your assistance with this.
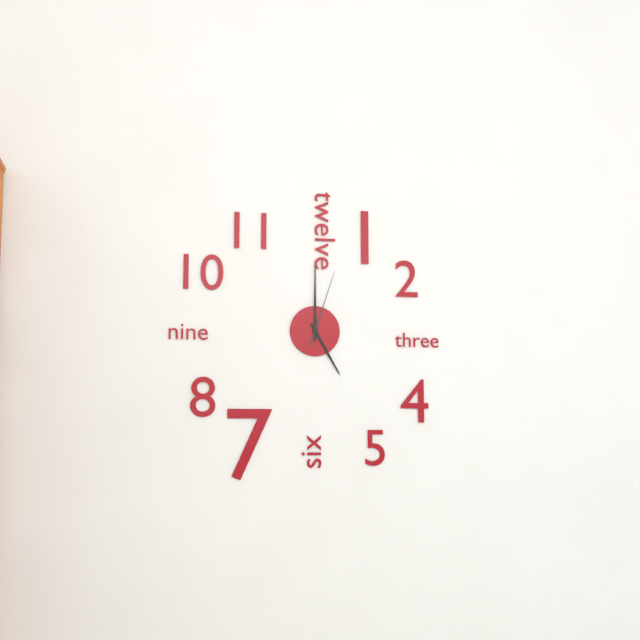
5:00:03
